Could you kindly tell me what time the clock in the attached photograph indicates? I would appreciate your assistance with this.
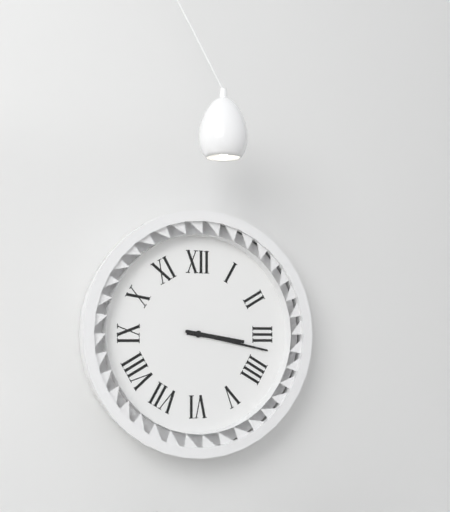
3:17
